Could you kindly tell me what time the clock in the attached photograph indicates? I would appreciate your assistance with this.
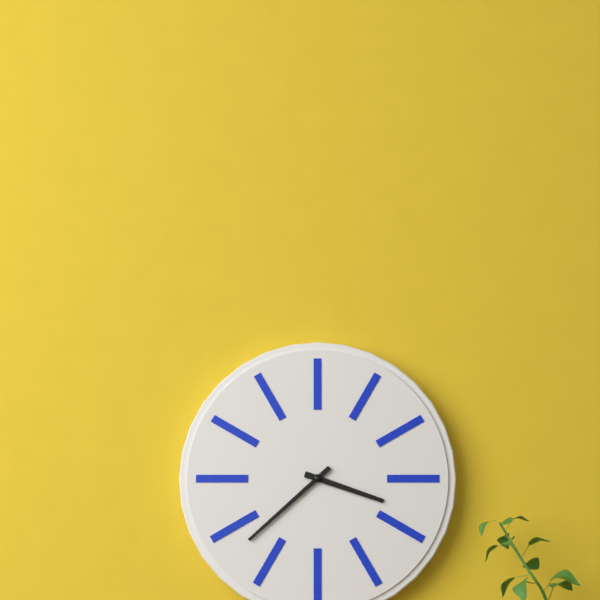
3:38
